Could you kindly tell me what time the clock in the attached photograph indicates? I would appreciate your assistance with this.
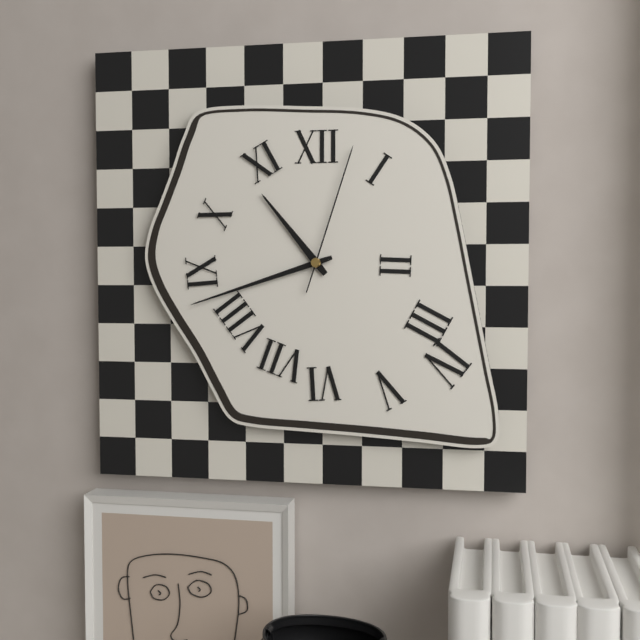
10:42:03
